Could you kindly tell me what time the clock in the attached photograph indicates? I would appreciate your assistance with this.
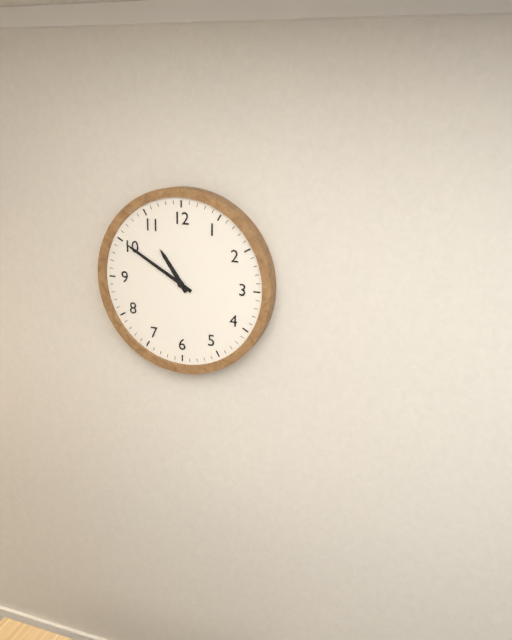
10:50
